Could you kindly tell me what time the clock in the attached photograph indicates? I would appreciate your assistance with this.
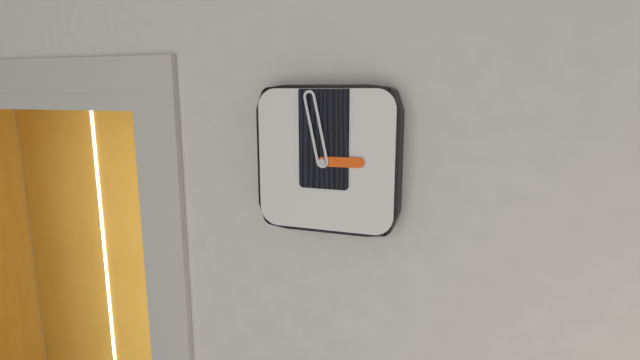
2:58
